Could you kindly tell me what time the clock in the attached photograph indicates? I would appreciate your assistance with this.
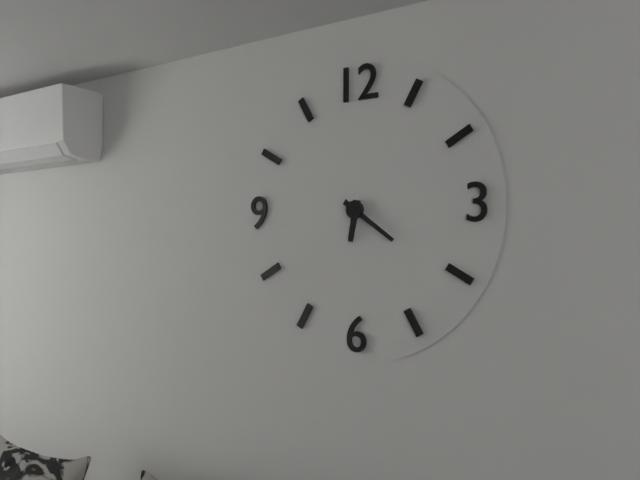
6:21
